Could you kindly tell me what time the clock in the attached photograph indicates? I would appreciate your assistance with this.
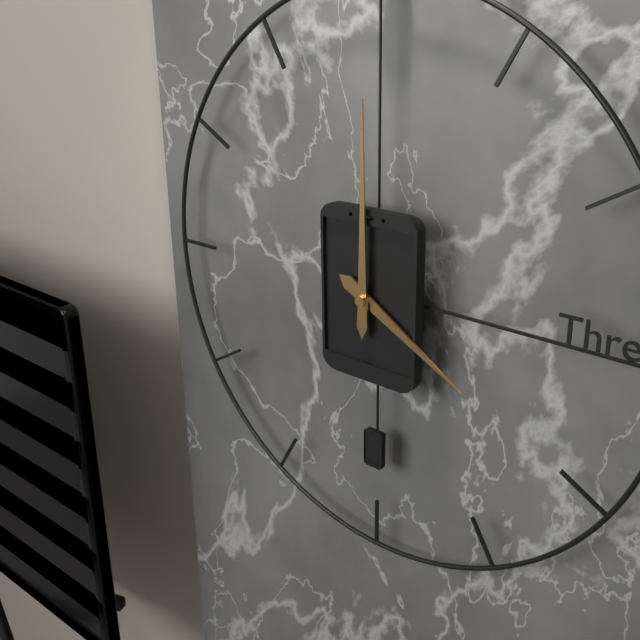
4:00
